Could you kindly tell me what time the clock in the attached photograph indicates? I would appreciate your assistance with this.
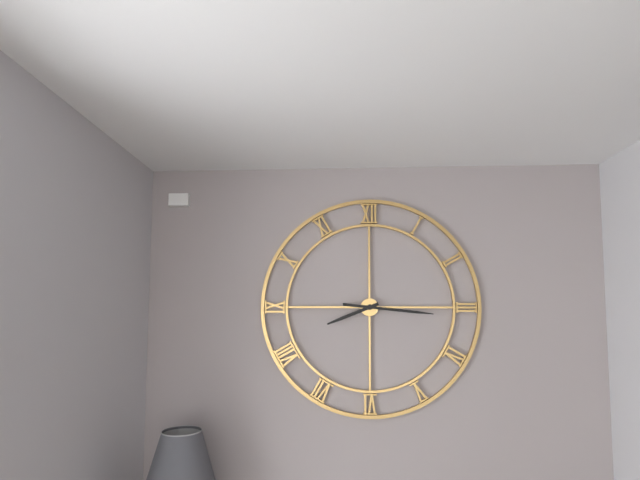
8:16
